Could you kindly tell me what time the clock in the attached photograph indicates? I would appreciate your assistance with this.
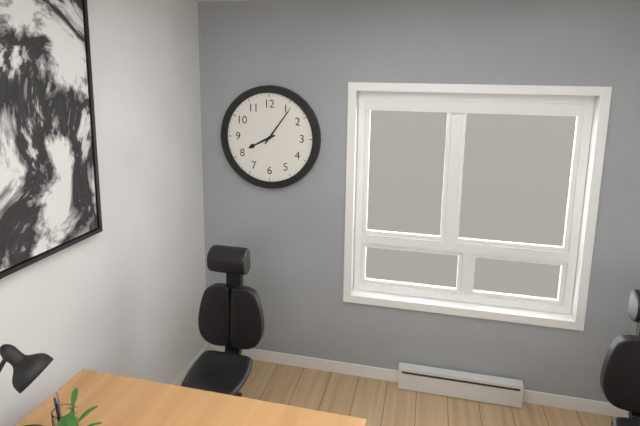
8:06
